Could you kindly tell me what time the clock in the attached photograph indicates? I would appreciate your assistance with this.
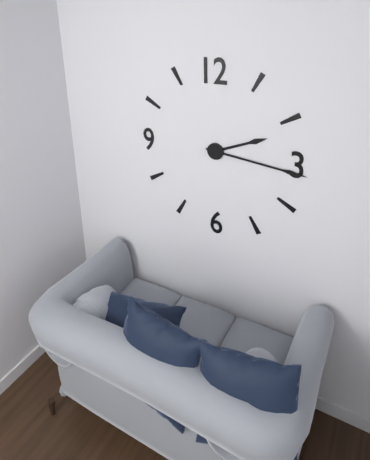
2:16
